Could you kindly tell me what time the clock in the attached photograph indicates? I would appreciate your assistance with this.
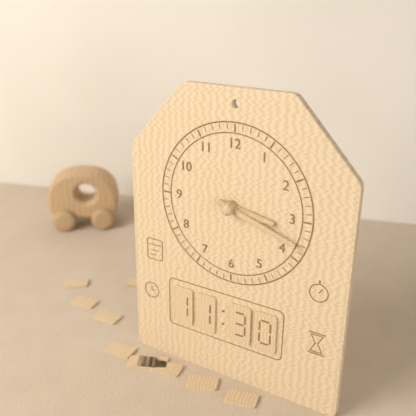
3:18
